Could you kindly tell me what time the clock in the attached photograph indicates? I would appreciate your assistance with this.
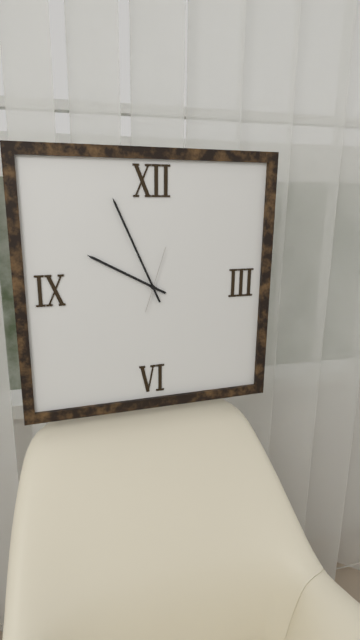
9:56:03
